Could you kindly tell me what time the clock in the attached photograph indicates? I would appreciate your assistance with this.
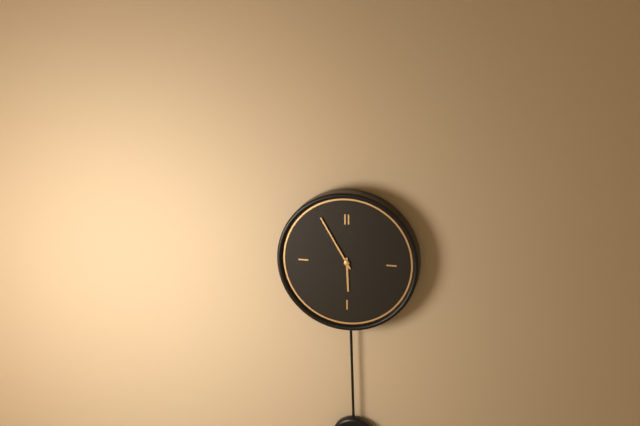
5:55
